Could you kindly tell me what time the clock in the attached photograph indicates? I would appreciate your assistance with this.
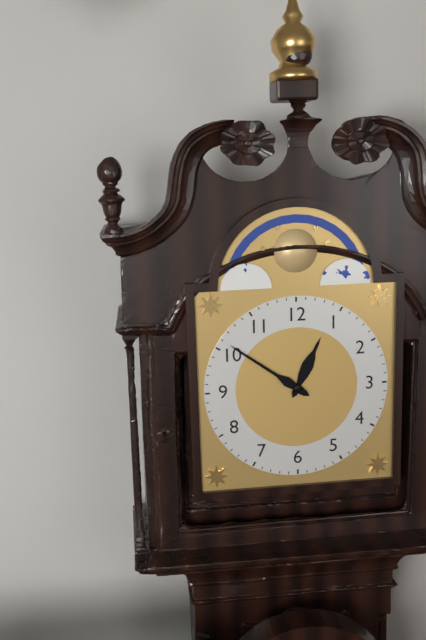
12:51
